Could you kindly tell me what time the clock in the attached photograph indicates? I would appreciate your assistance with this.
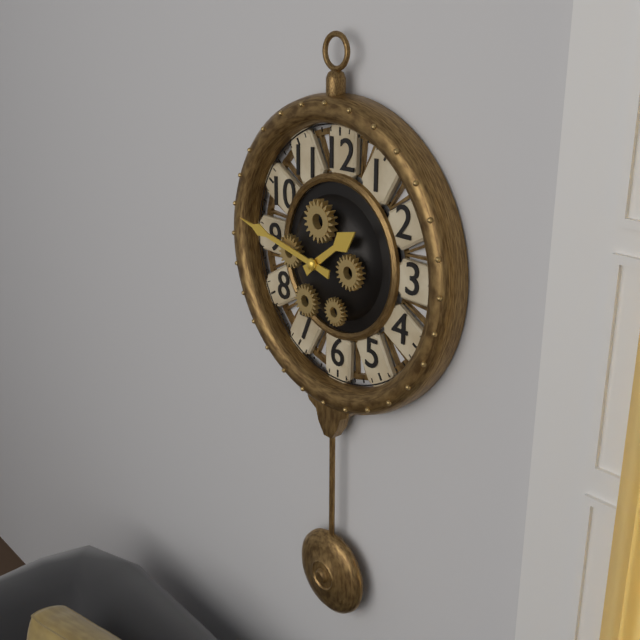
1:47
